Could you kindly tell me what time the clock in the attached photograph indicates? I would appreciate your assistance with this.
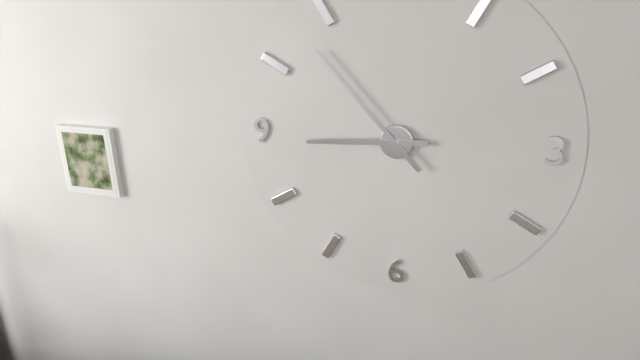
8:53
